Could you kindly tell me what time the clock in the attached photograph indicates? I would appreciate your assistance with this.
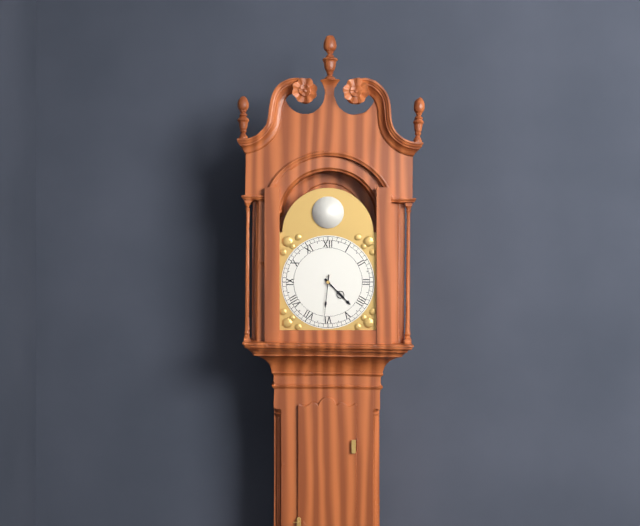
4:31
